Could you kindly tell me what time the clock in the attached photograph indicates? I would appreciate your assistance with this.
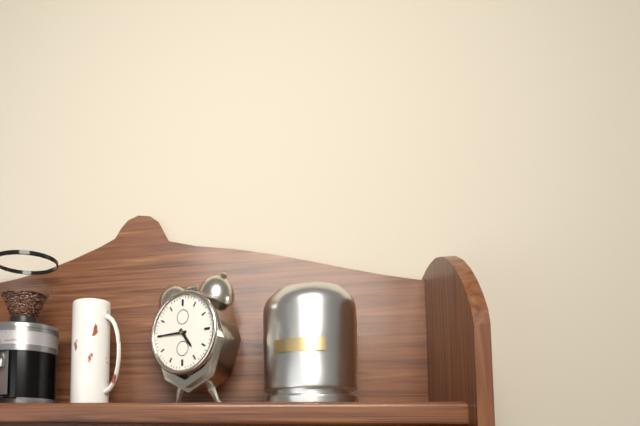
4:45
